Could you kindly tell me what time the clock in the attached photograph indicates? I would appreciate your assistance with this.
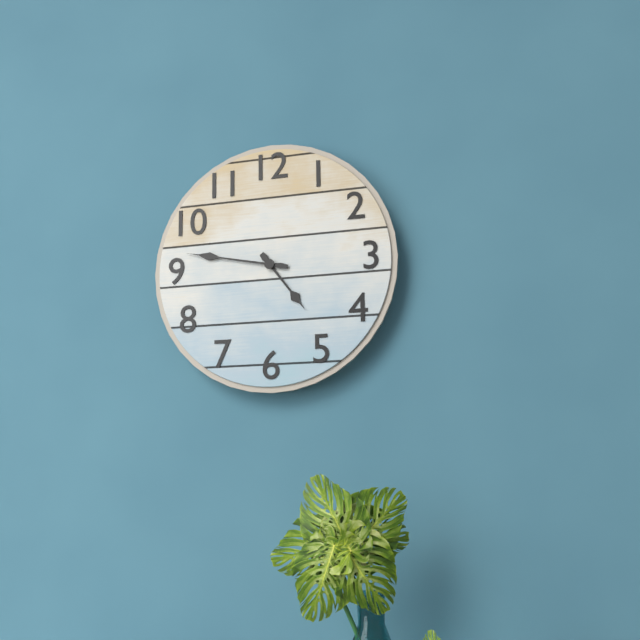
4:47
